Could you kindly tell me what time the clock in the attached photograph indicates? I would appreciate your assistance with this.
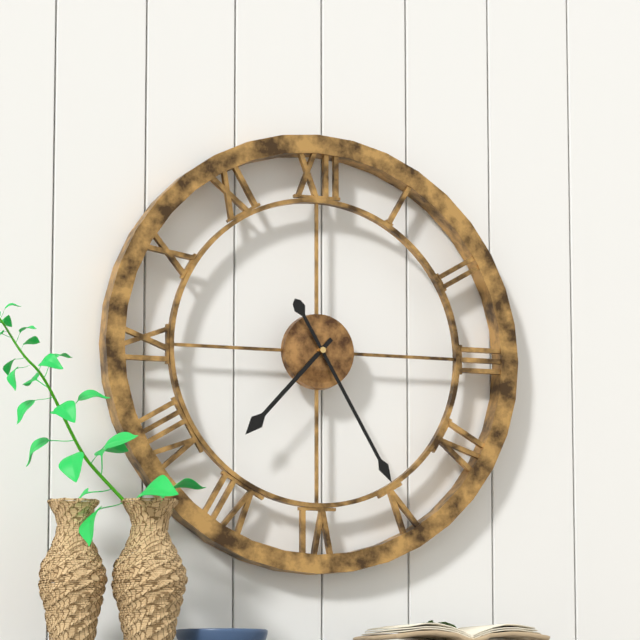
7:25
